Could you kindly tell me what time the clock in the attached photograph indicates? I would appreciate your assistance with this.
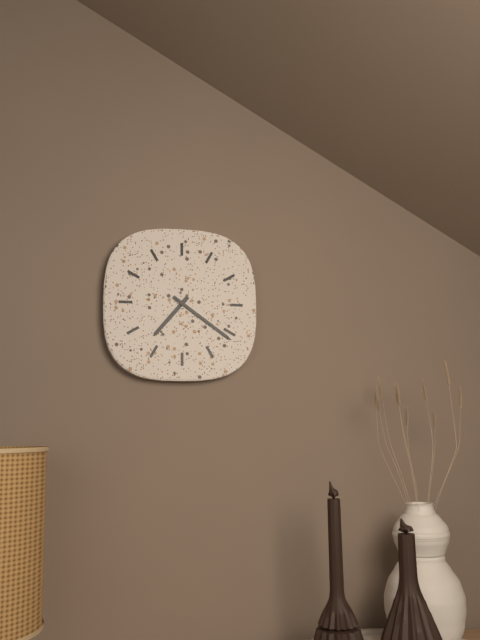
7:21
